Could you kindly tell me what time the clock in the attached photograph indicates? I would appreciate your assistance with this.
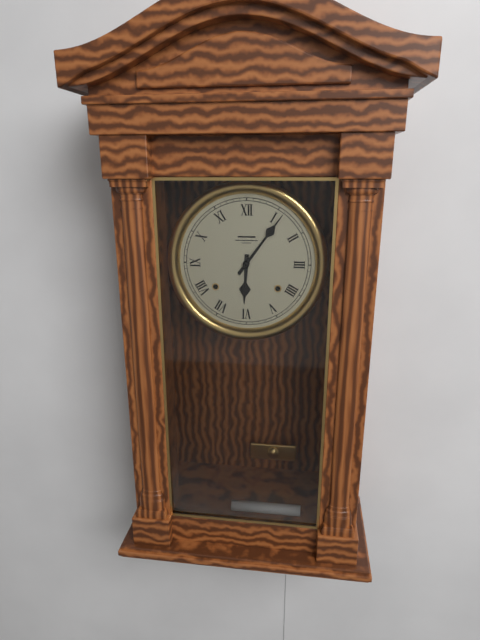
6:06
